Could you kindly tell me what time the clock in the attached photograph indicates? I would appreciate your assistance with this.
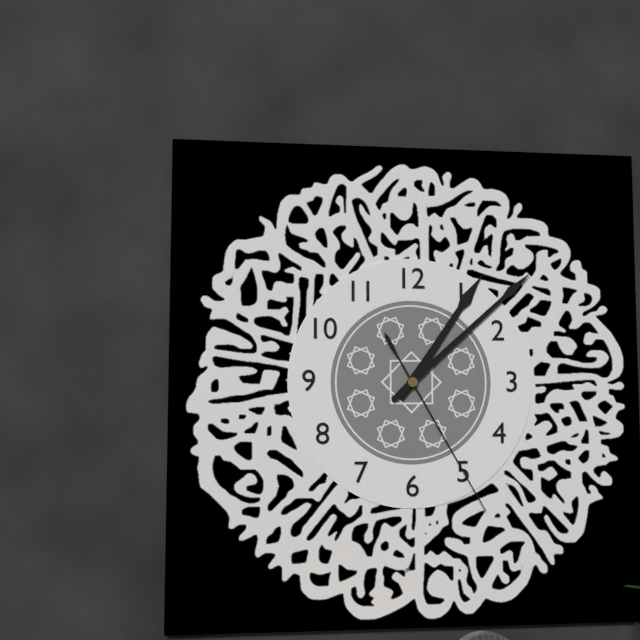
1:08:25
